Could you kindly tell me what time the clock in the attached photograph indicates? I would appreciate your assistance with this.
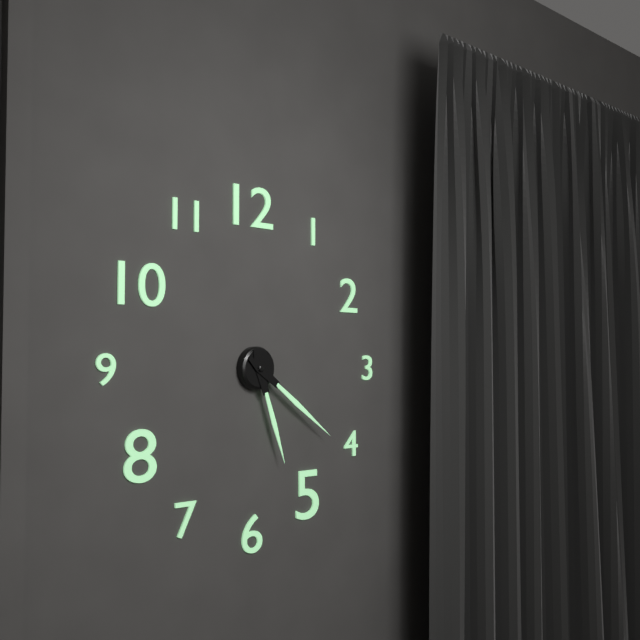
5:21
